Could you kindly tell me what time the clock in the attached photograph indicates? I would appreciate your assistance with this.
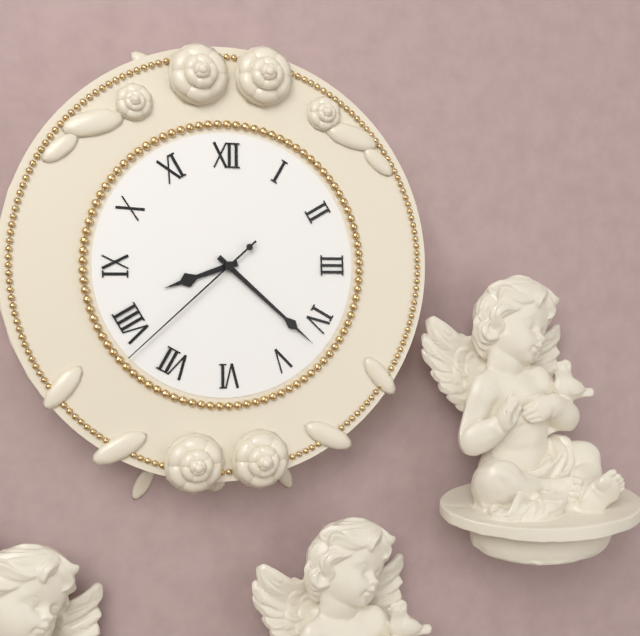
8:22:38
